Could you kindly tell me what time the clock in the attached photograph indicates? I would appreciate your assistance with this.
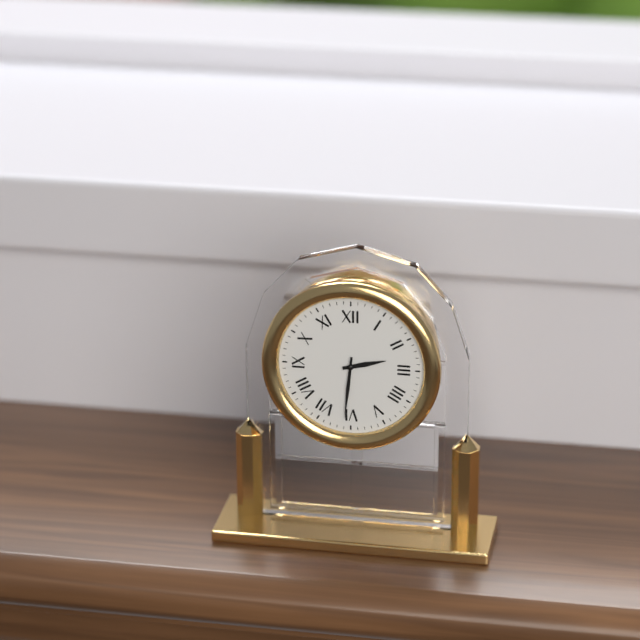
2:31
